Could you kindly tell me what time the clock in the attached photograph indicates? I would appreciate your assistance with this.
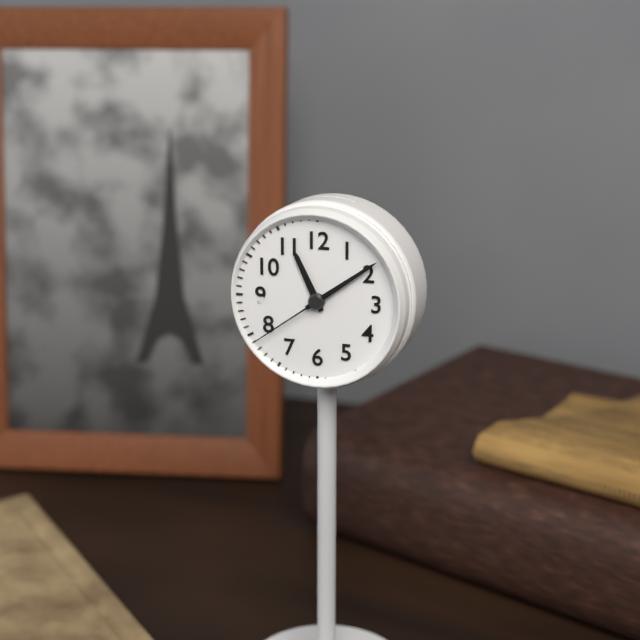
11:09:39
